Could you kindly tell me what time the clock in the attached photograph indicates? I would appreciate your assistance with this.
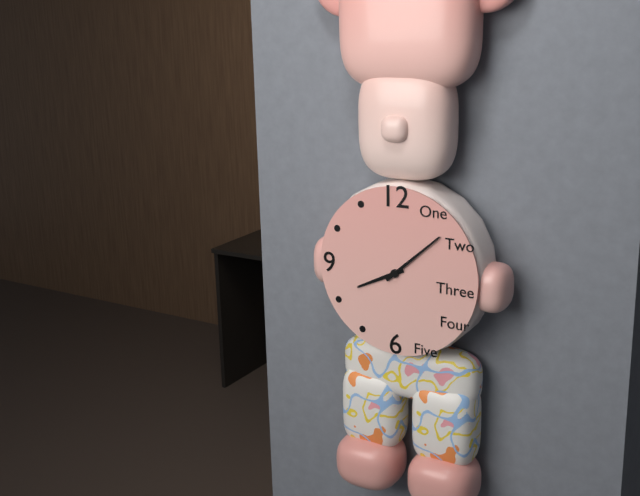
8:08
